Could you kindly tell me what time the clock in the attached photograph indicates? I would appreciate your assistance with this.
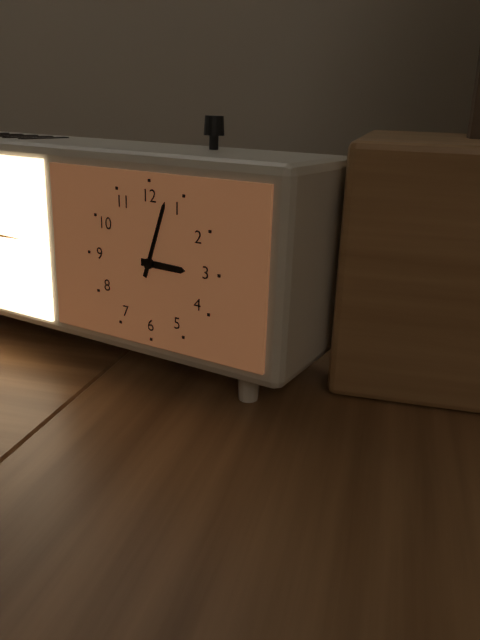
3:03
